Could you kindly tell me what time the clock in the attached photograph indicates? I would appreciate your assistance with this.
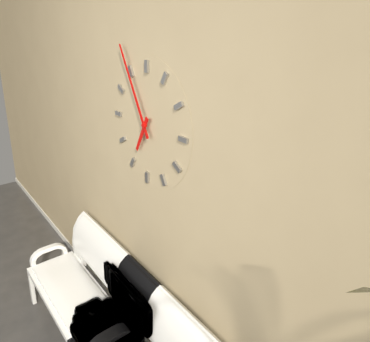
6:55
